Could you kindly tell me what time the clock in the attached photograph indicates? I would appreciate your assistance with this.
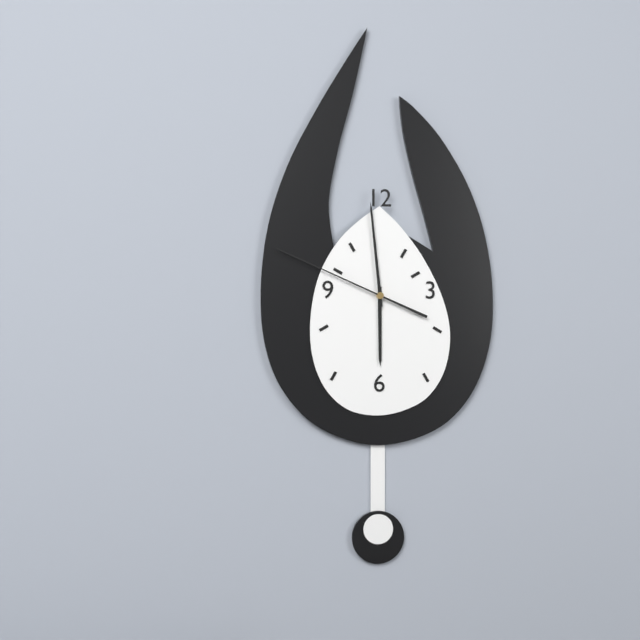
5:59:49
